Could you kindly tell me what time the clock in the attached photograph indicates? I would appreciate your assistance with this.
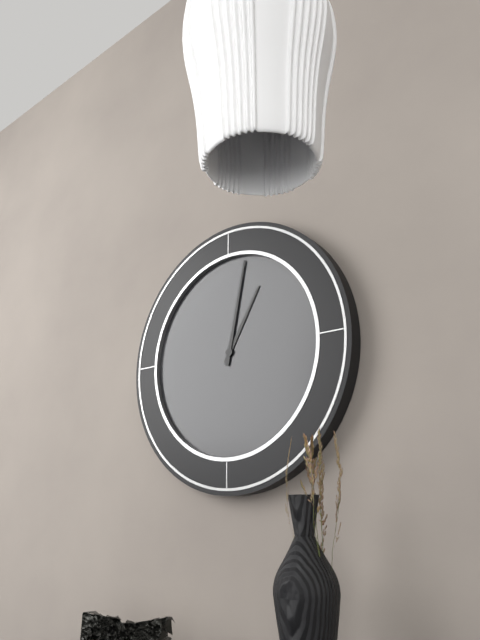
1:02
